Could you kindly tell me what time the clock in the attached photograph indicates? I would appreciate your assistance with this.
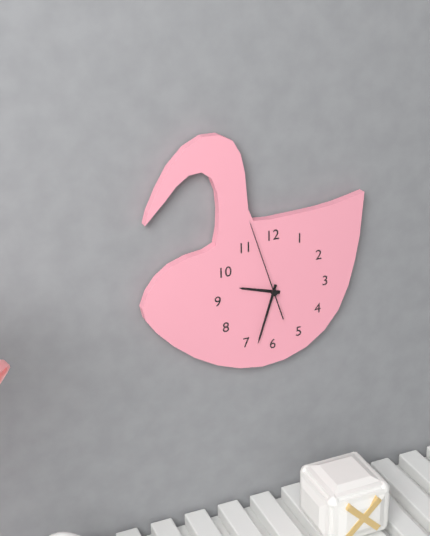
9:33:57
